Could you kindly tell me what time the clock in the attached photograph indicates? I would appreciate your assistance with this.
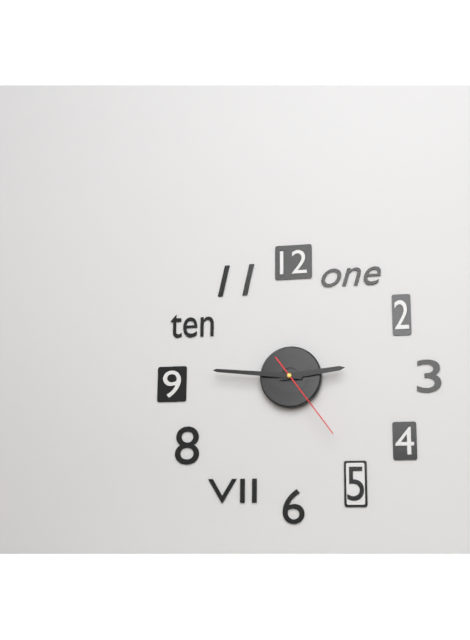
2:46:24
